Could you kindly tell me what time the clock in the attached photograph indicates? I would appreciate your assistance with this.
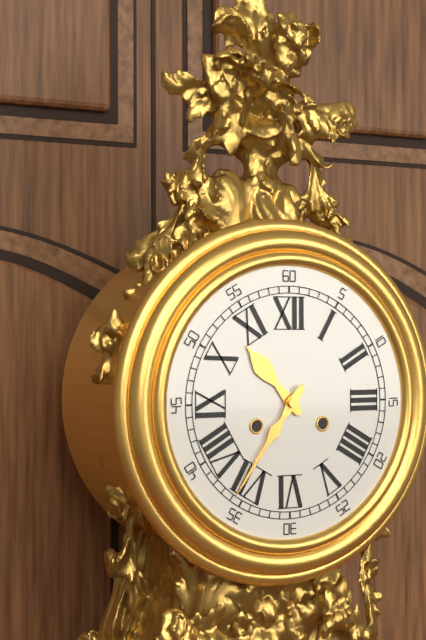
10:36
